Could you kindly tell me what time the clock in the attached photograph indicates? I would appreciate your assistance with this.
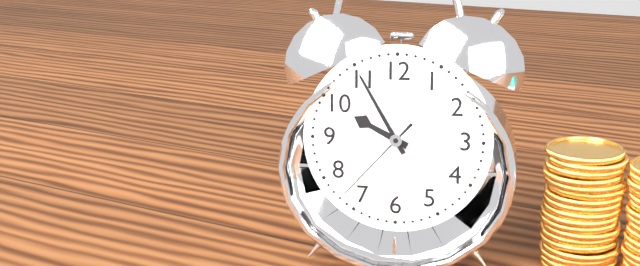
9:55:37
